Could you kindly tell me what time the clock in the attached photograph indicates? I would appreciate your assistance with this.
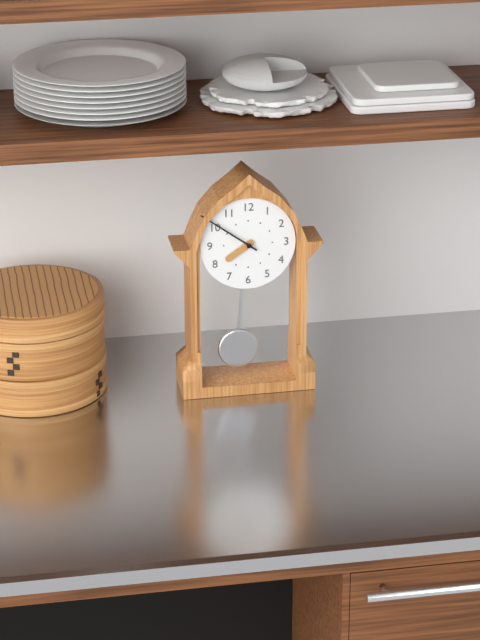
7:51
